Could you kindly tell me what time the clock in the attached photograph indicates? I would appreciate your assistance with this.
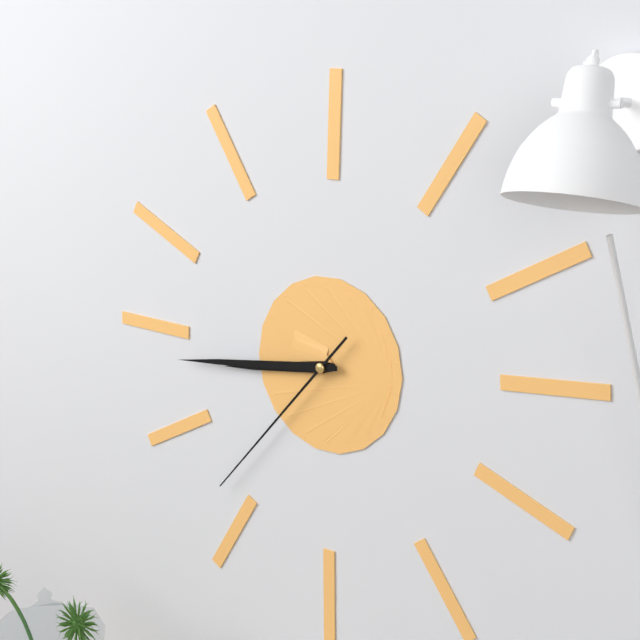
8:44:37
